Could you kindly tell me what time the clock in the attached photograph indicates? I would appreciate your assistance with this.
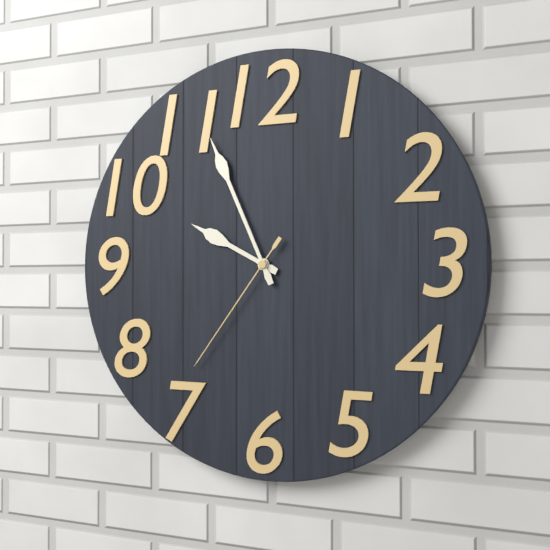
9:56:36
